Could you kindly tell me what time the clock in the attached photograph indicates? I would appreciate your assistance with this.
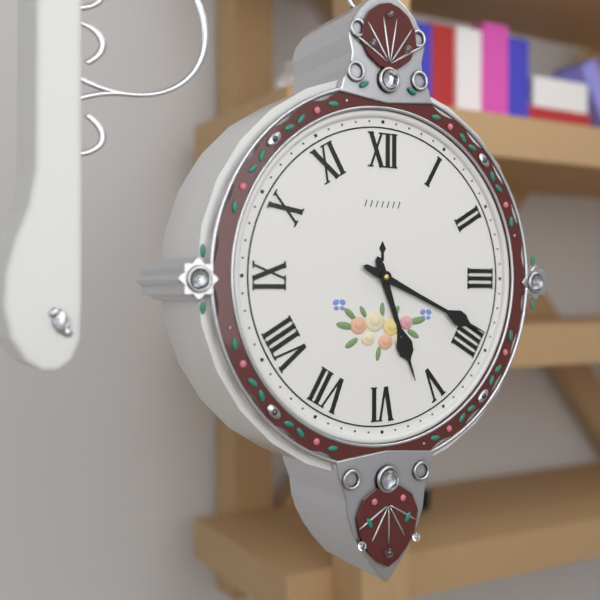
5:19
